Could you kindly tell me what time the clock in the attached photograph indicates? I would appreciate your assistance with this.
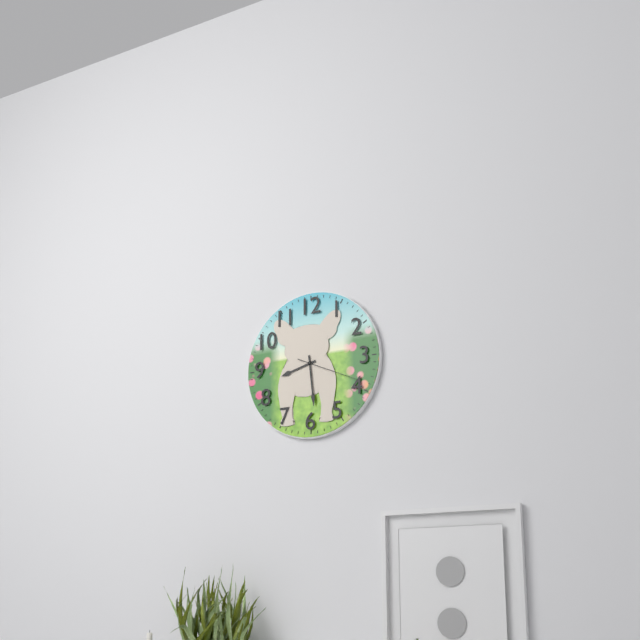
8:29:19
